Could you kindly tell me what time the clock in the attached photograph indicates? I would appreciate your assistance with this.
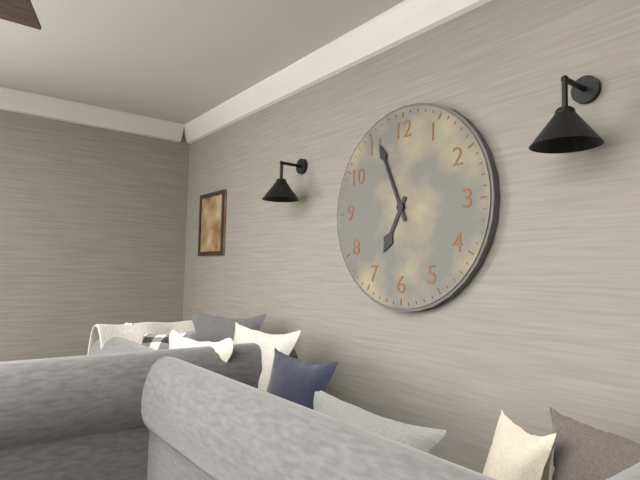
6:56
